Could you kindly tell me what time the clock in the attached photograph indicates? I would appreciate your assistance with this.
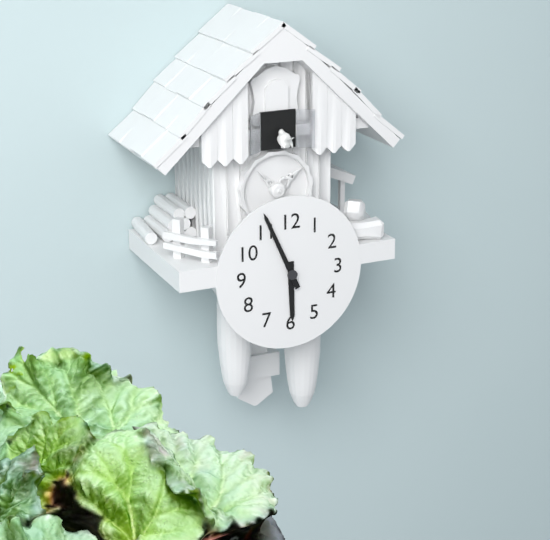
5:56
